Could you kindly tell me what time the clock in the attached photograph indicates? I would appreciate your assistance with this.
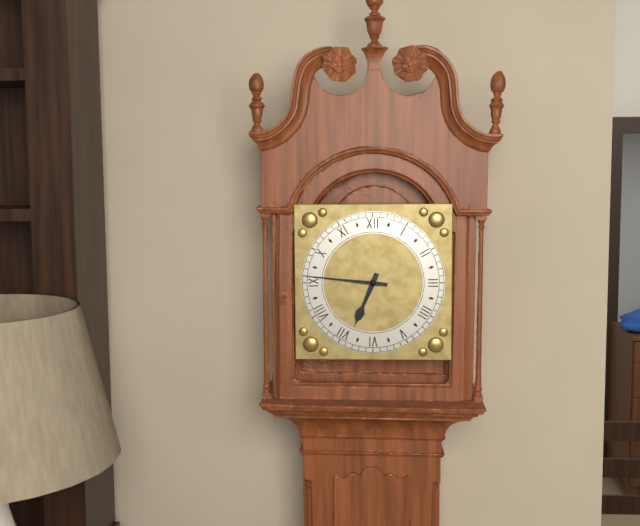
6:46
